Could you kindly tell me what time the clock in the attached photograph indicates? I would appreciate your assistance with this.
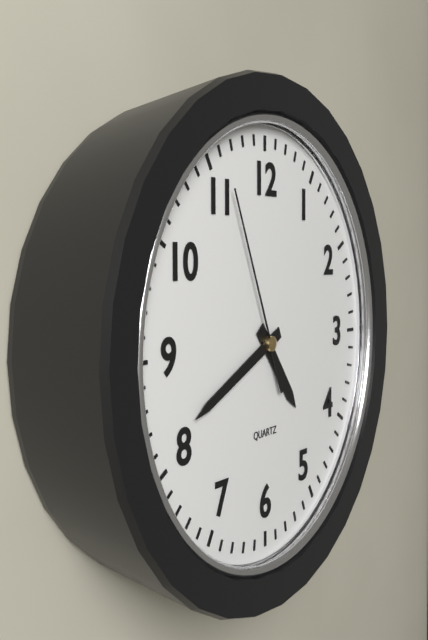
4:41:56
